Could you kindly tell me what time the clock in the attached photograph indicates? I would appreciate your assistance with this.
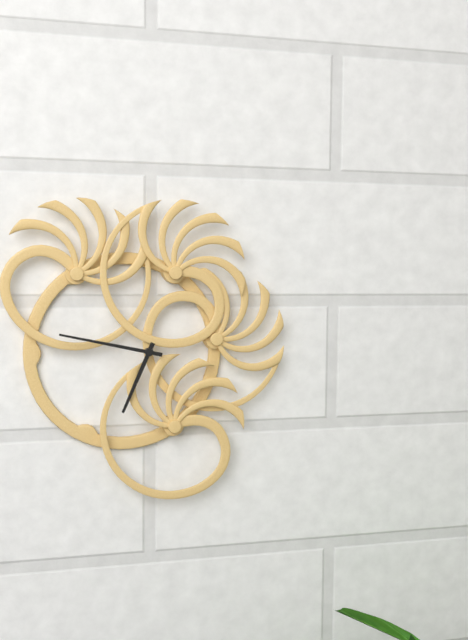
6:47
